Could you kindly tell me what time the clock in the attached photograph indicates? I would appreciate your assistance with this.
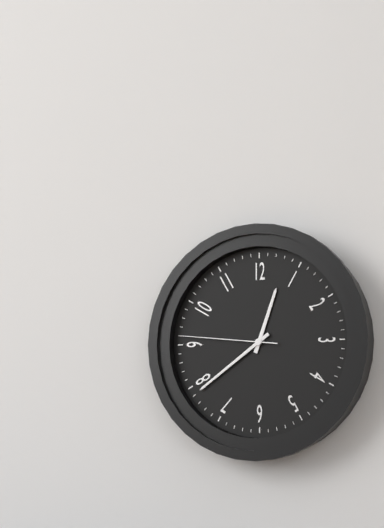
12:39:46
